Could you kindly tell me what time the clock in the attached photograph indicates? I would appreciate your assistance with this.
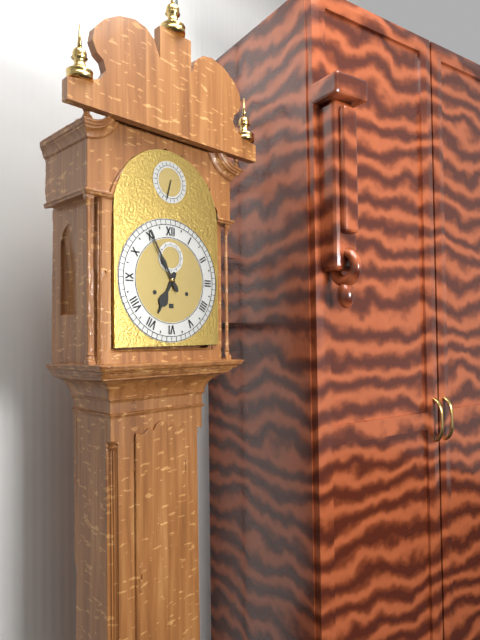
6:55
